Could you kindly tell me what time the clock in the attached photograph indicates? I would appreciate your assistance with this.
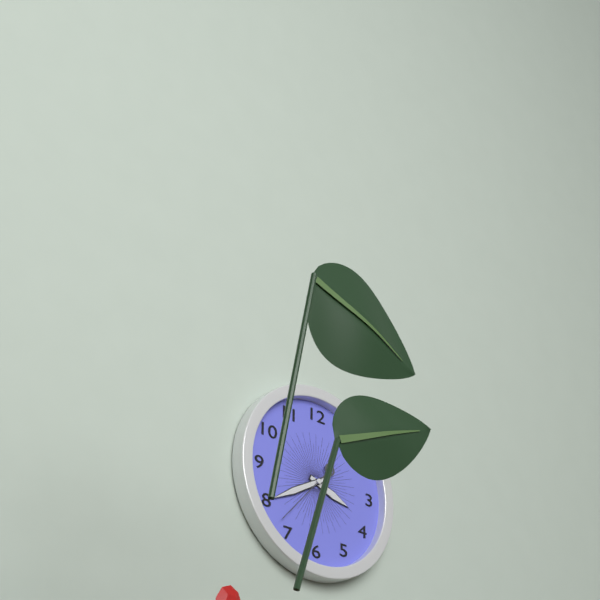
3:40:37
